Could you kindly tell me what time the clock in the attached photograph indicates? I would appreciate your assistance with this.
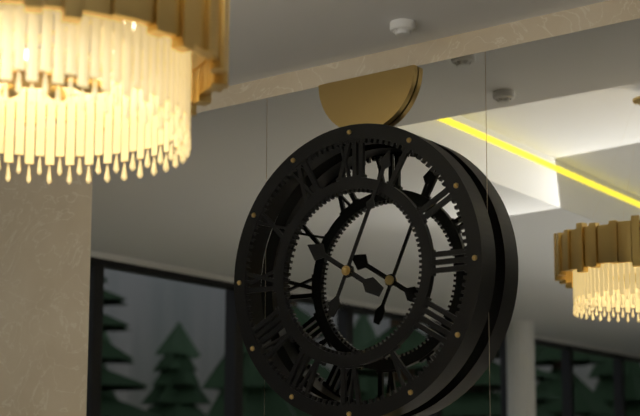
10:04
